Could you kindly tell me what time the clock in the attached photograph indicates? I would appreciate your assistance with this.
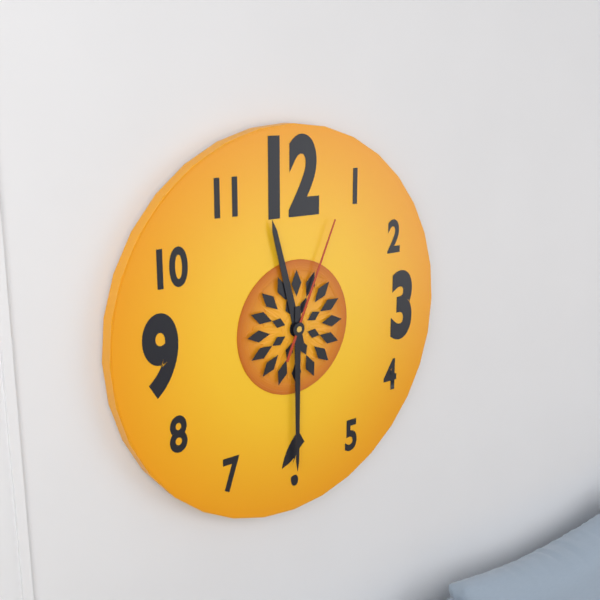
11:30:04
